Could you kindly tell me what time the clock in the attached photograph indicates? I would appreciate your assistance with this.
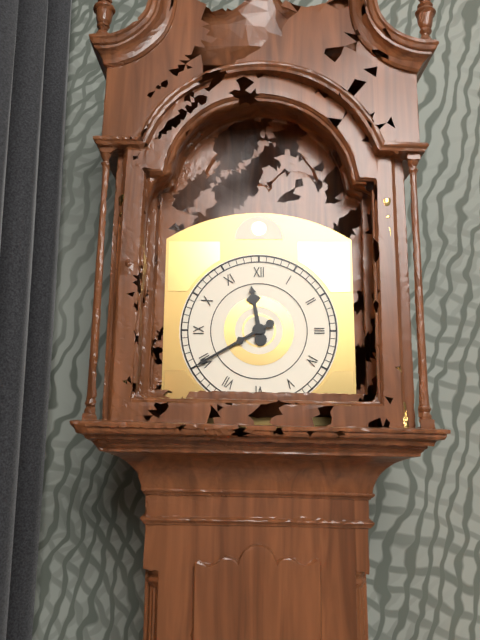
11:40
